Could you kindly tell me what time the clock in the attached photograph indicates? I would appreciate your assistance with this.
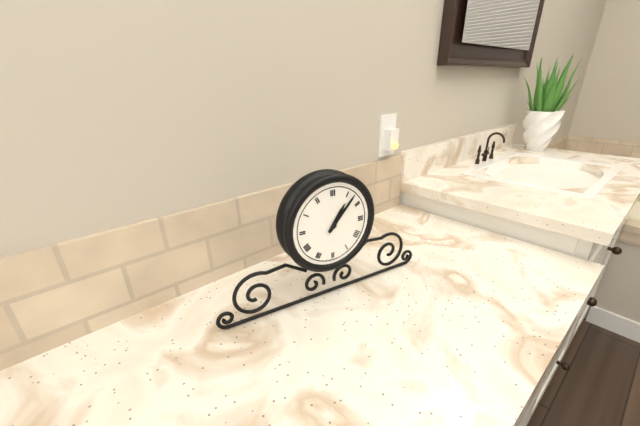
1:07
